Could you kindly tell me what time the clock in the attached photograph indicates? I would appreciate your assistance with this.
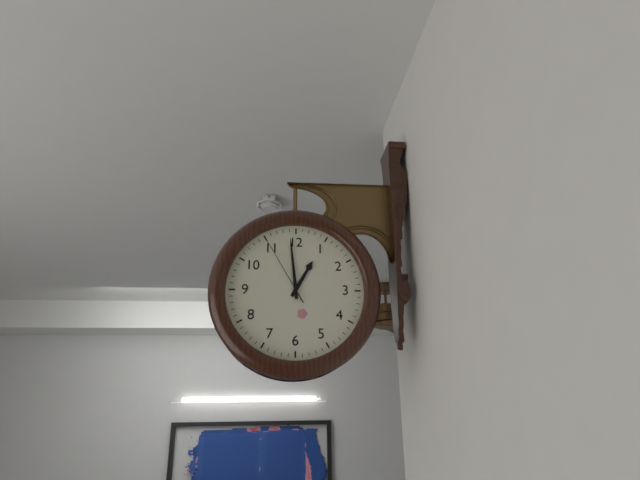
12:59:55
